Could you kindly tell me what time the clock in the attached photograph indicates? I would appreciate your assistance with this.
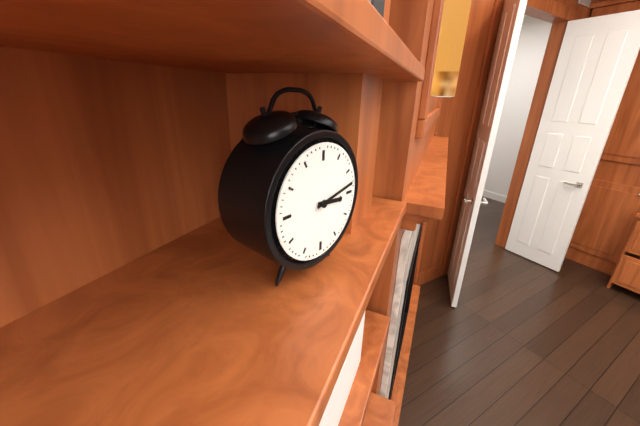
3:13
